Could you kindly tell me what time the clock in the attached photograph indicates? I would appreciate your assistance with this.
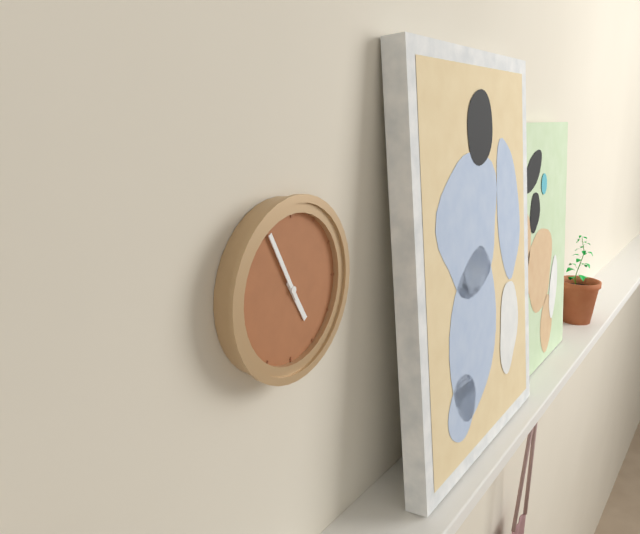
4:55
